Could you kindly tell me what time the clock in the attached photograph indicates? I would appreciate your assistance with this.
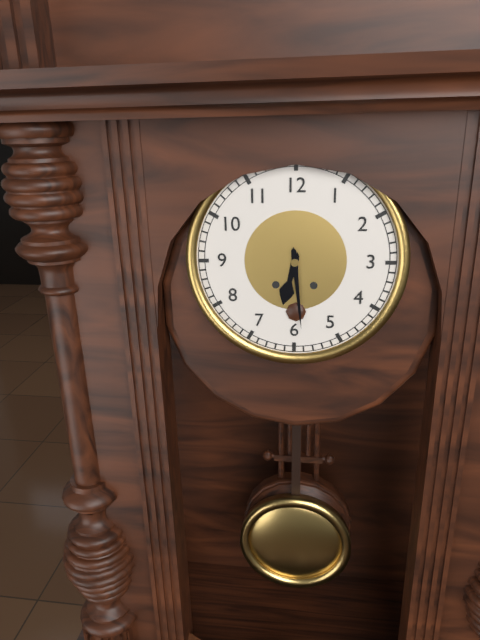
6:29
